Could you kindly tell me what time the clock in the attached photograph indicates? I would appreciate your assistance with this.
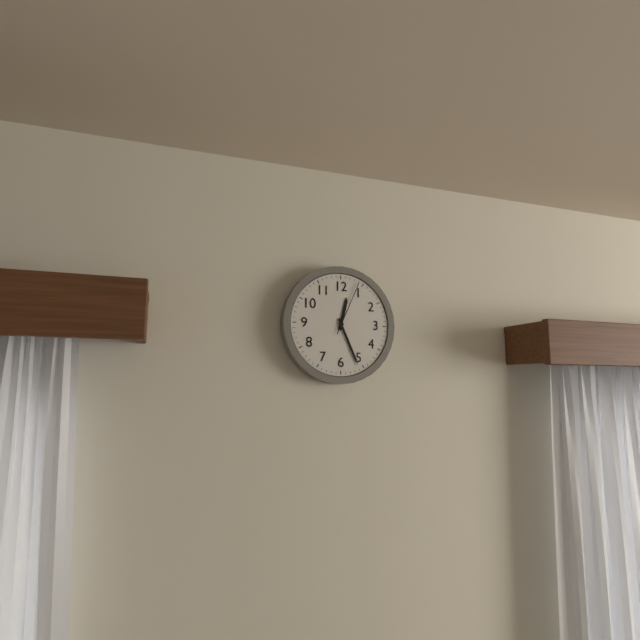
12:26:04
